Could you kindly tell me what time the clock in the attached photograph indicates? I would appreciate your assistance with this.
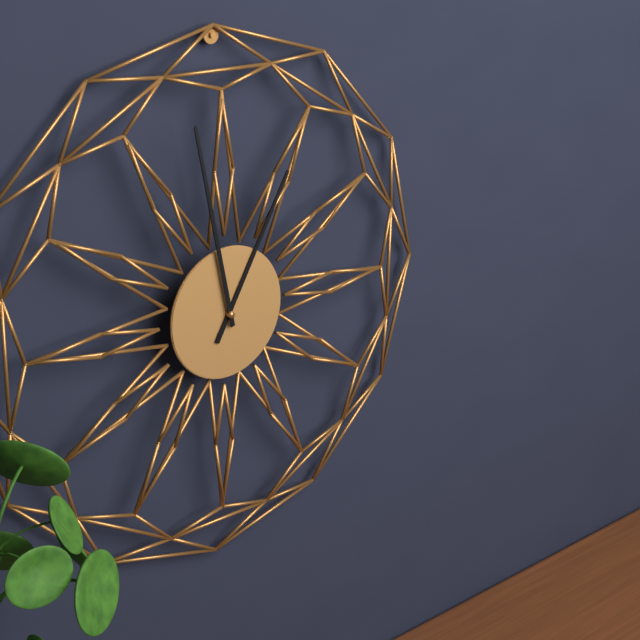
12:58
